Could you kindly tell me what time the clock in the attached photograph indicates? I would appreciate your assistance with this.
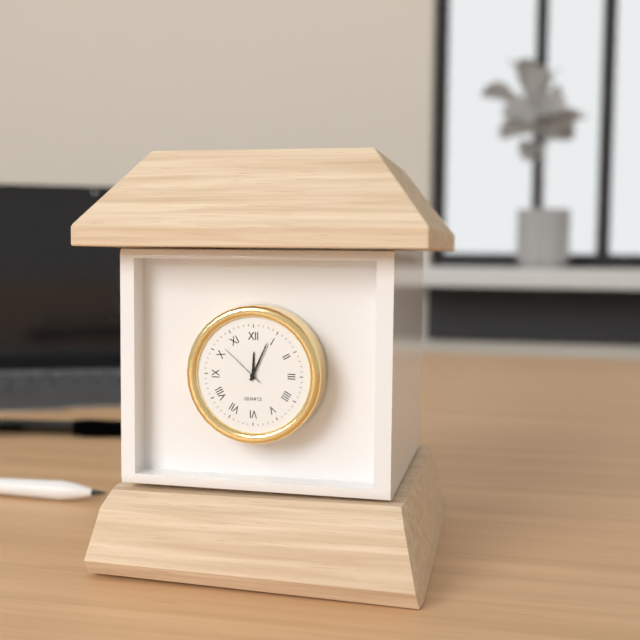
12:04
